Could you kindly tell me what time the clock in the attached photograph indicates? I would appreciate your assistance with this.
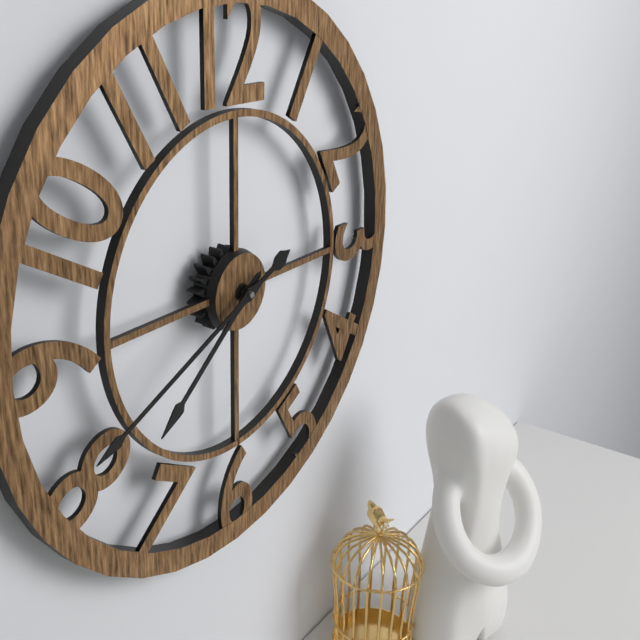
7:41
